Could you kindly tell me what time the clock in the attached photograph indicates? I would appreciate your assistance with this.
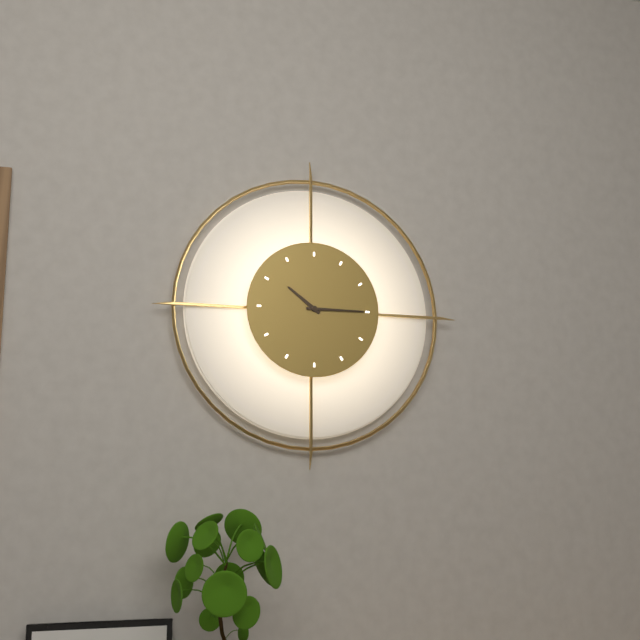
10:15
